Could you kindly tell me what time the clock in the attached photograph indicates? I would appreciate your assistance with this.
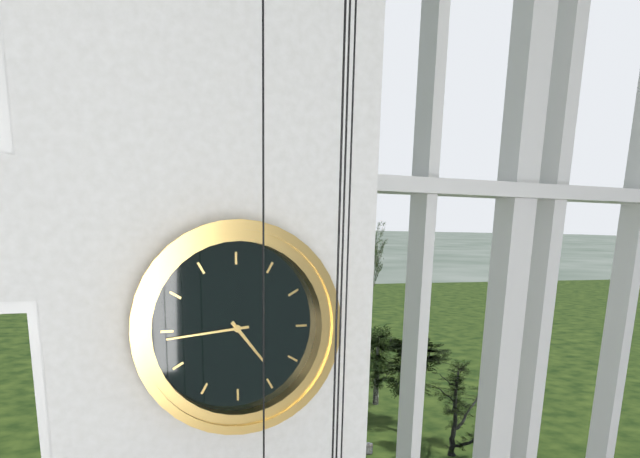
4:44
